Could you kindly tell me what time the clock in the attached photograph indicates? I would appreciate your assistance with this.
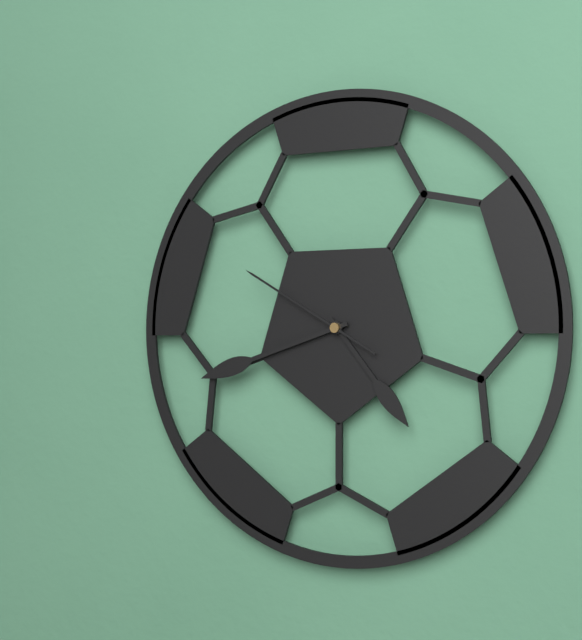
4:42:50
